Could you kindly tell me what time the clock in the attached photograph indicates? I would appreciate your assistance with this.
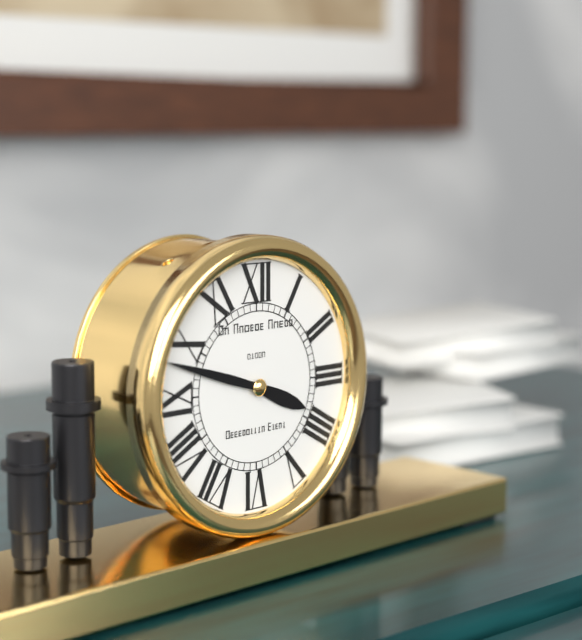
3:48
